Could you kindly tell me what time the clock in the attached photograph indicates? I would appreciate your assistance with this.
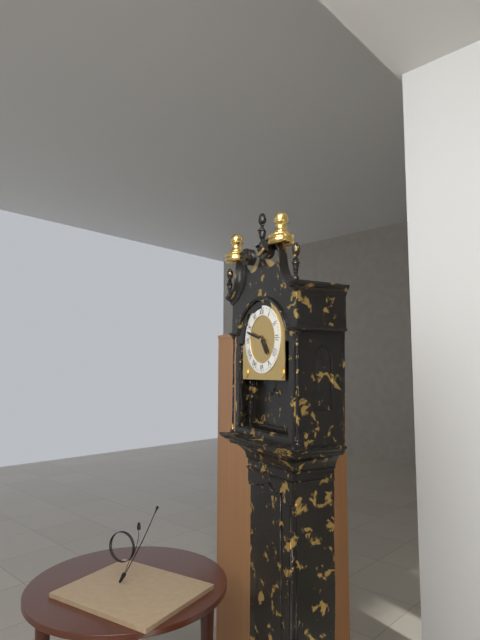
4:48
